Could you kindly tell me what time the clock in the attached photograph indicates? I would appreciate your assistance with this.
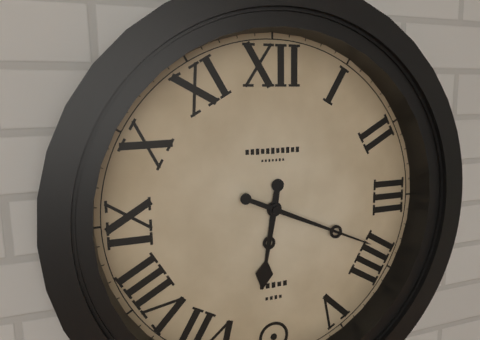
6:19
